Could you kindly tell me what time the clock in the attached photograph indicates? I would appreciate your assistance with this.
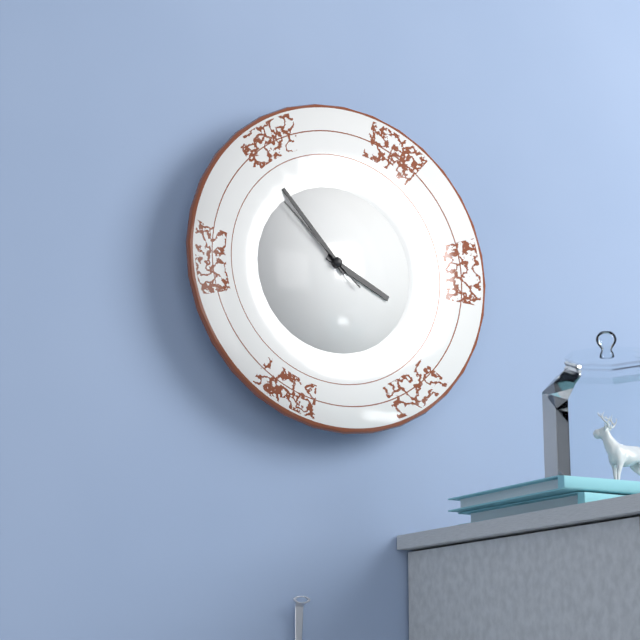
3:53:52
